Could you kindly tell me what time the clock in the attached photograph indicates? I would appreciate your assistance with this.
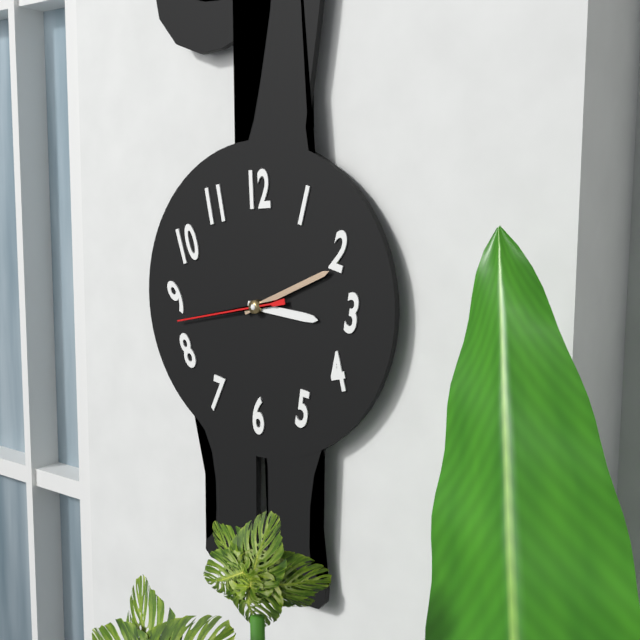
3:11:43
